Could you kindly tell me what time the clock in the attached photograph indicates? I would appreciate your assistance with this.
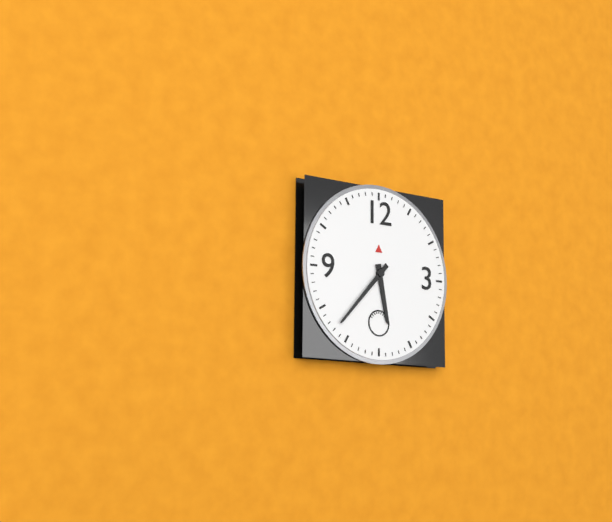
5:37
